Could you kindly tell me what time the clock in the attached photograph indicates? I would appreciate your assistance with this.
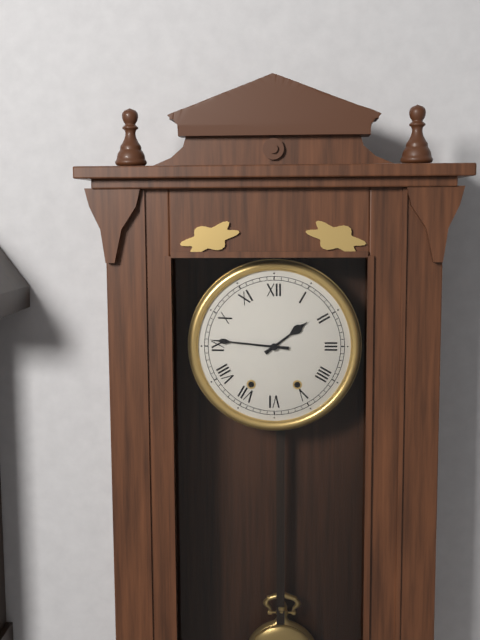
1:46
